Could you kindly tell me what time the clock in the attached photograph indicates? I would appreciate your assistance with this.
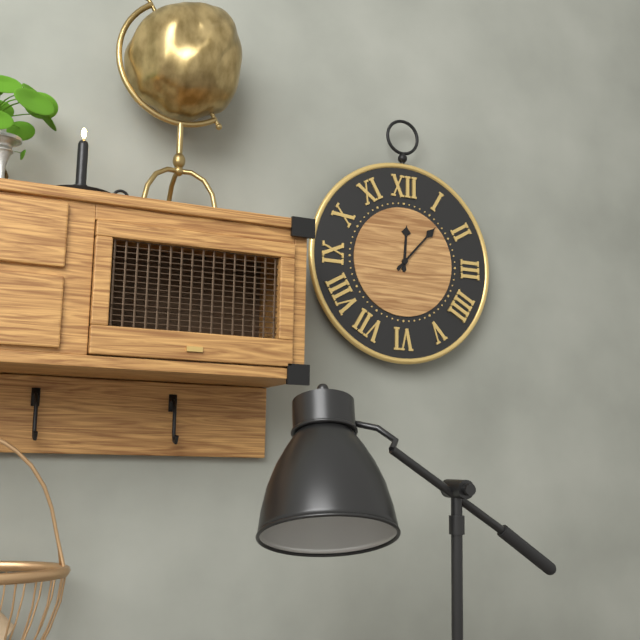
12:07
